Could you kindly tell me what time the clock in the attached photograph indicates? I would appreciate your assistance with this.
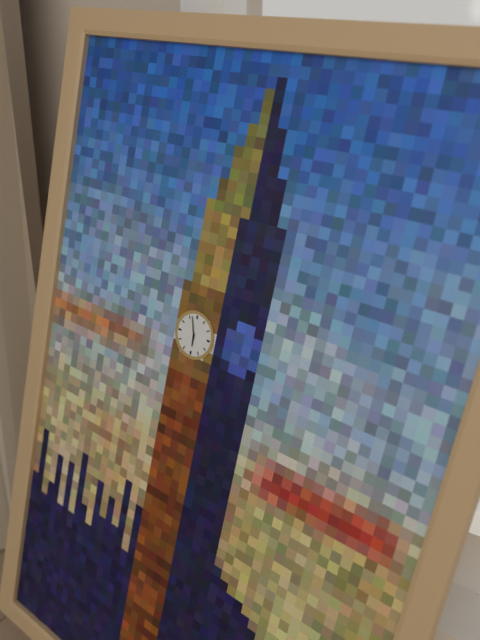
5:57
